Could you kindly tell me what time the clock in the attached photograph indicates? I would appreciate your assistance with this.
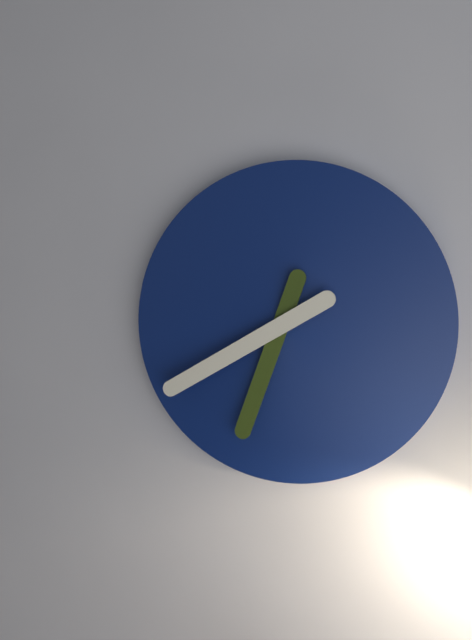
6:40
